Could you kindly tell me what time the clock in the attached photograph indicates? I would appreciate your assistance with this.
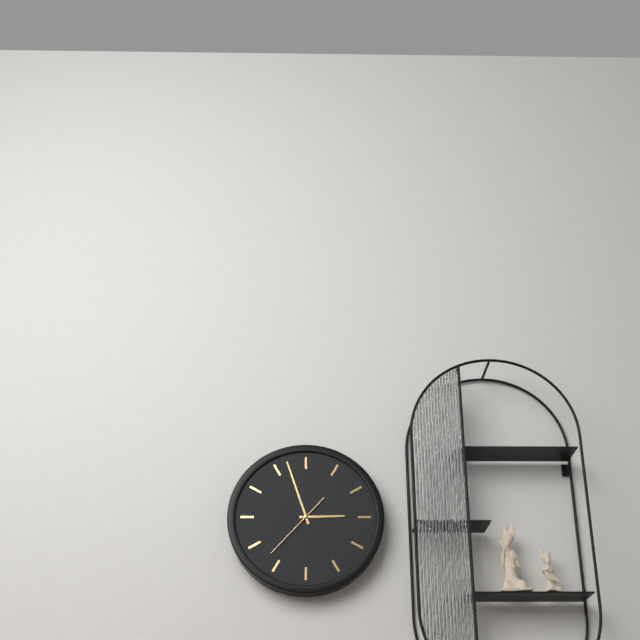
2:57:37
